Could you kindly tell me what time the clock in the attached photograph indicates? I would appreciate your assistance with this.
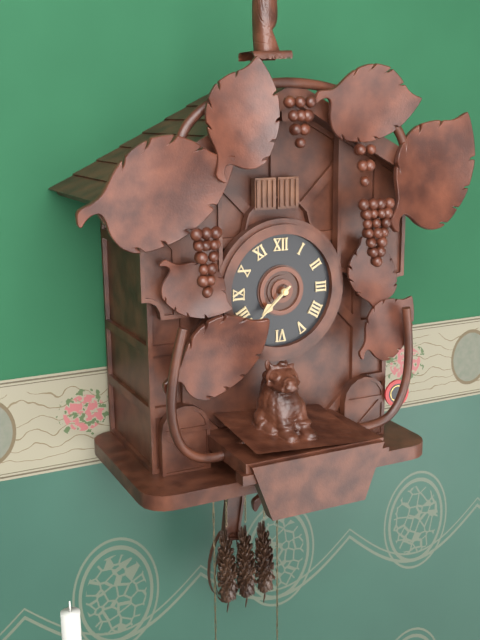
7:38
